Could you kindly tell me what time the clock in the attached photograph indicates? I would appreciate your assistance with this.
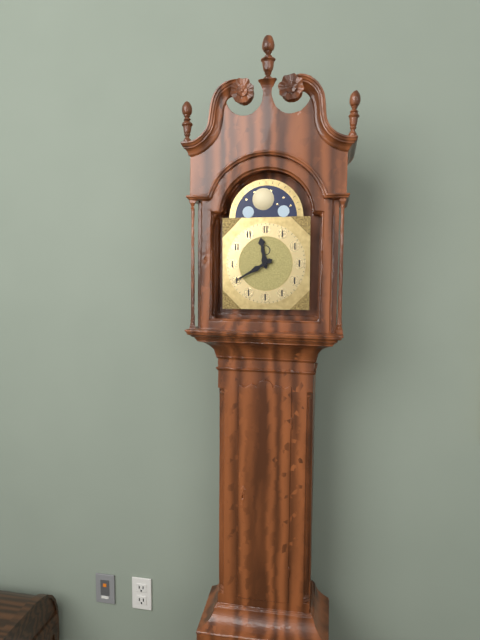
11:40
